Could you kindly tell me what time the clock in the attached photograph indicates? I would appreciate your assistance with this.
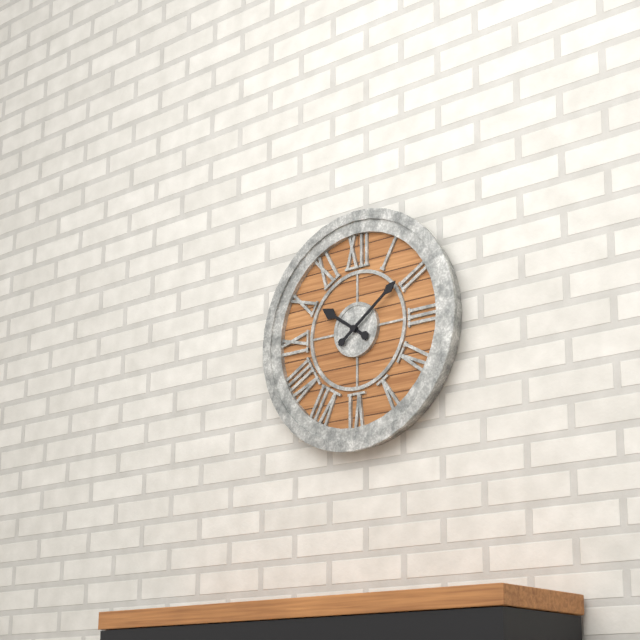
10:09
